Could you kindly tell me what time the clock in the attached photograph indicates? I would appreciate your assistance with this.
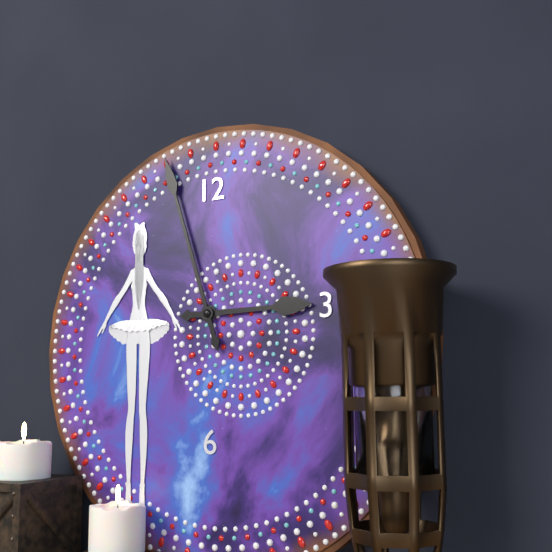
2:57
